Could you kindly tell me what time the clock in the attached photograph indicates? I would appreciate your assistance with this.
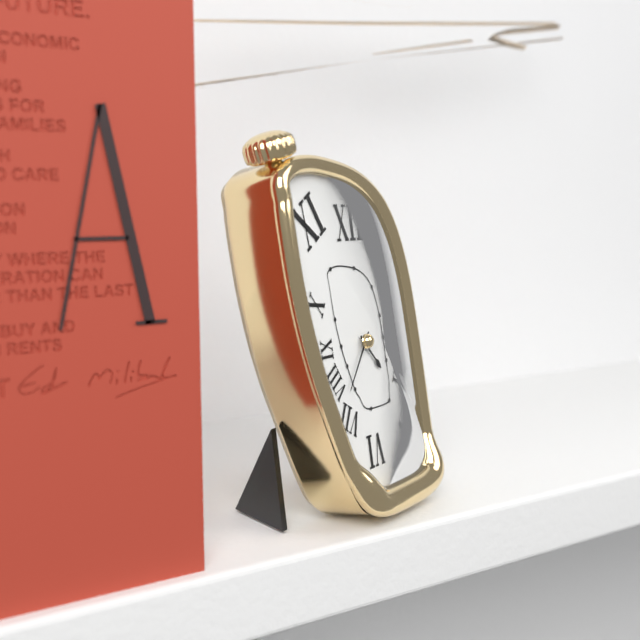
4:37
